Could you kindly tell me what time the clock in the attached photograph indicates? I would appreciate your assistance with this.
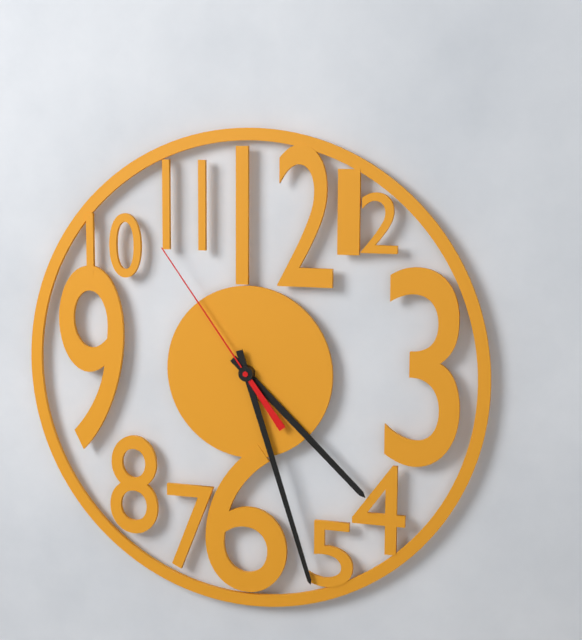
4:27:54
